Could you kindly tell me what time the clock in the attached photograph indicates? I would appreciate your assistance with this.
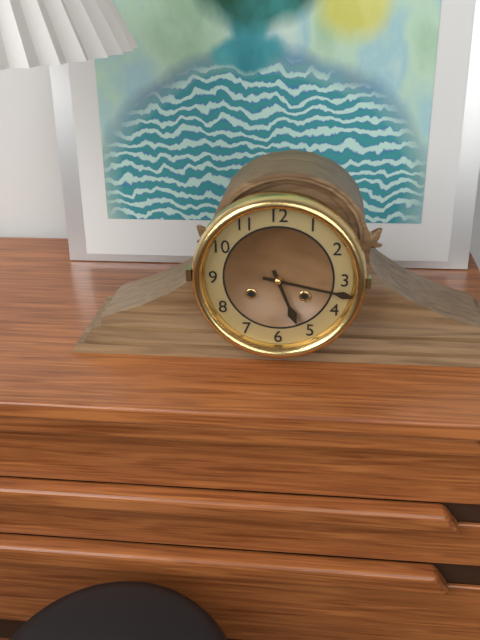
5:17
